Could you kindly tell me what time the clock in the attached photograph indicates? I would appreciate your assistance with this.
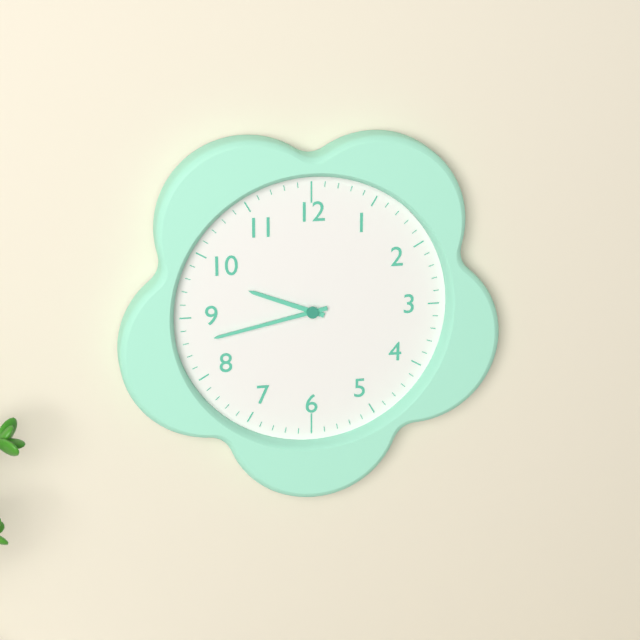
9:43
